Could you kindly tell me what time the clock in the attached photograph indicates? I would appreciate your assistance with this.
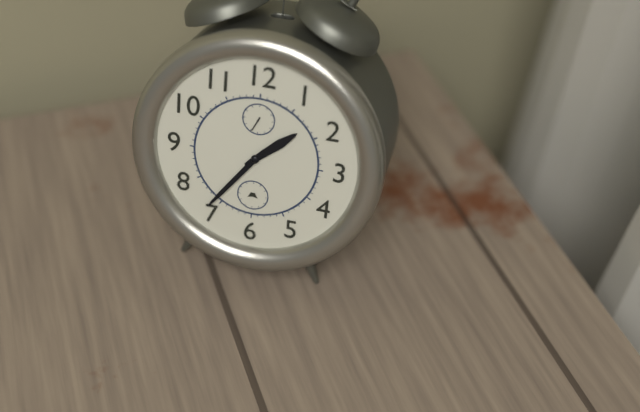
1:36
